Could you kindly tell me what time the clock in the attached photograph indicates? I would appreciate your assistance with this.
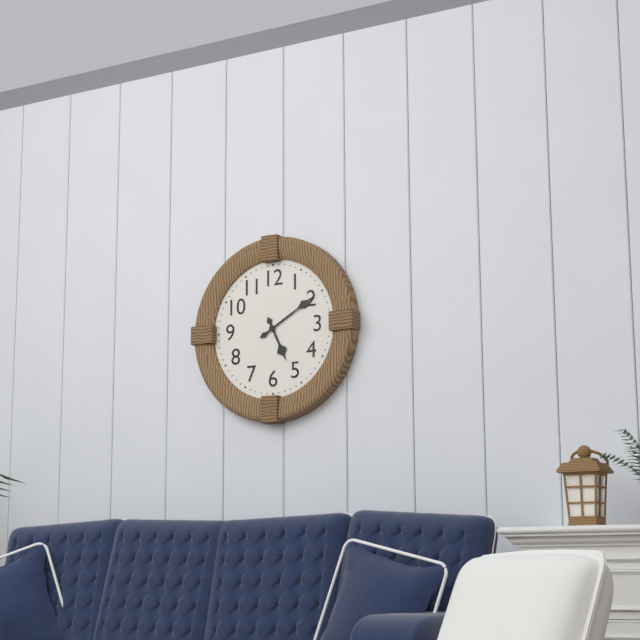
5:10
